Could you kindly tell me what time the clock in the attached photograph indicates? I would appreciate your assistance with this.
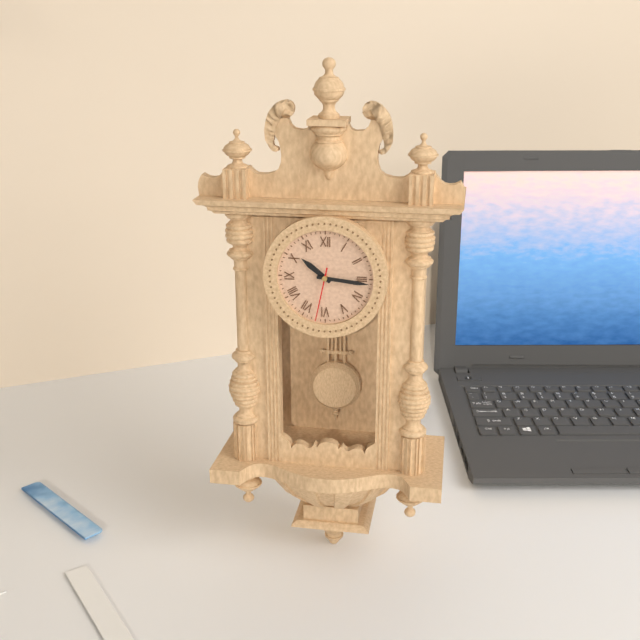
10:16:32
